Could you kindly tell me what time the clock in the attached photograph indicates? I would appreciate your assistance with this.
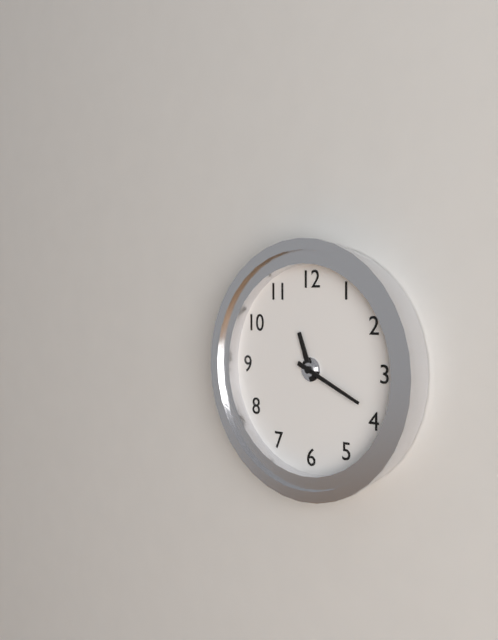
11:19
